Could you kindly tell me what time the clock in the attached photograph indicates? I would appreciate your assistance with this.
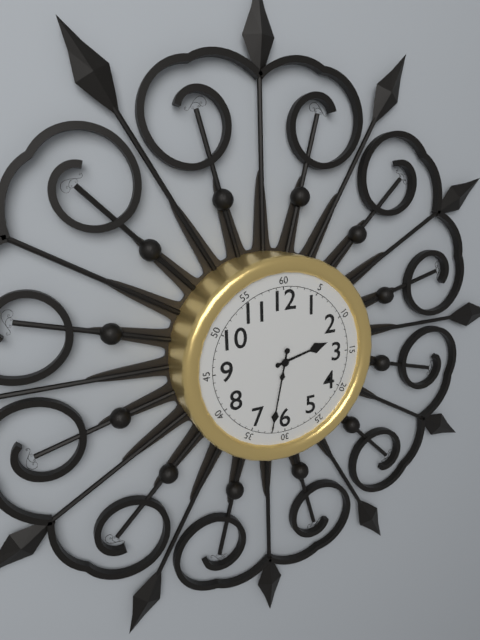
2:32
